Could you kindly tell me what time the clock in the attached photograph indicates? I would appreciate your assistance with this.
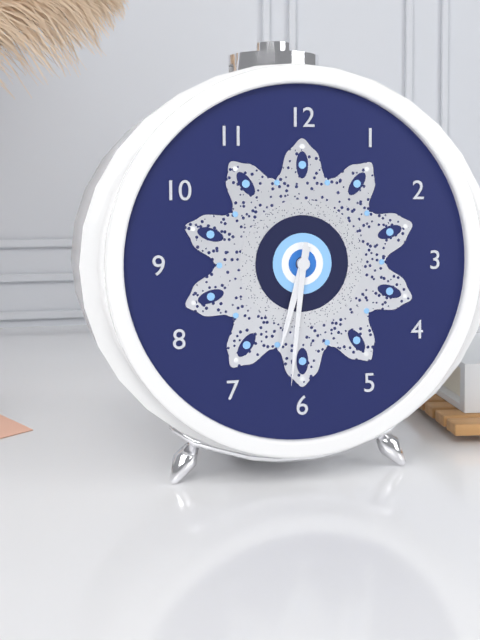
6:31
